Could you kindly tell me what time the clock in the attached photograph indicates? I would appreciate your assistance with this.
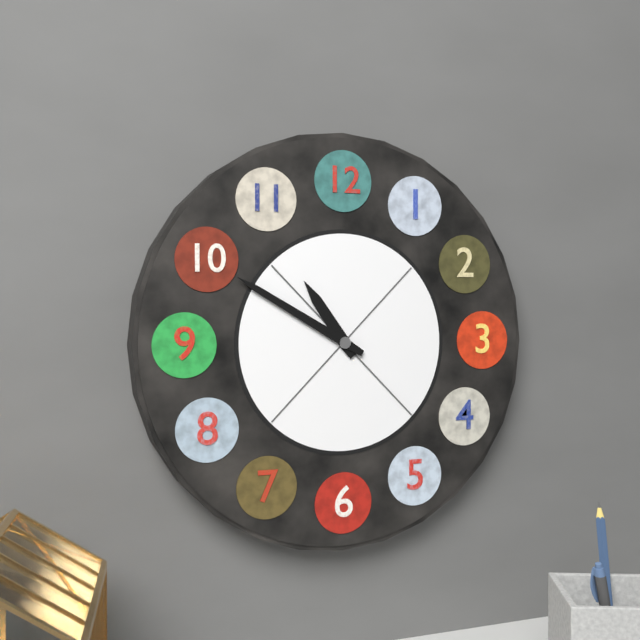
10:50
